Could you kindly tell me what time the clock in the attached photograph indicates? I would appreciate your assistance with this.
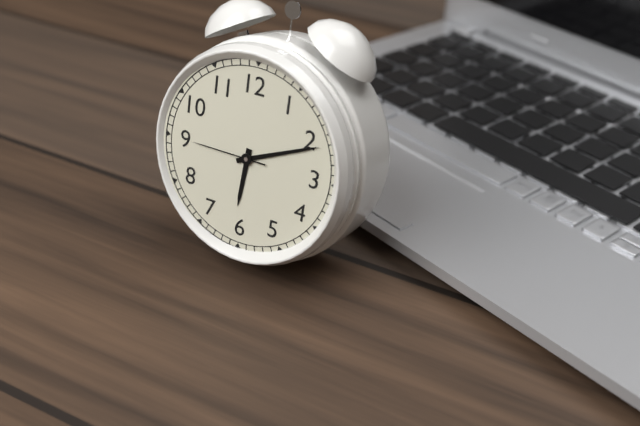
6:11:45
